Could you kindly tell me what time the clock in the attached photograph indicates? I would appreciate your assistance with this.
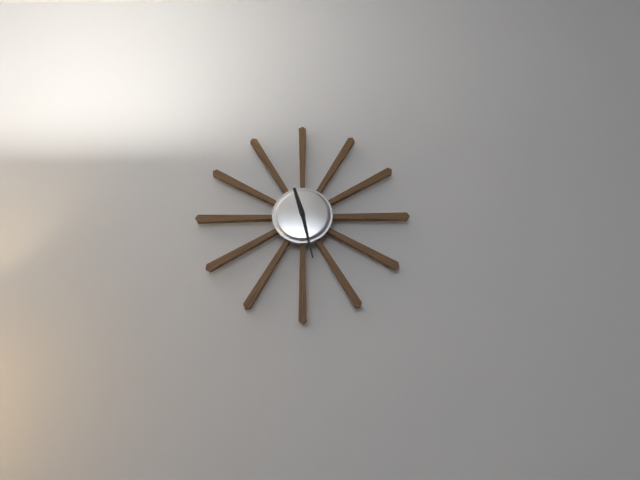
11:28
